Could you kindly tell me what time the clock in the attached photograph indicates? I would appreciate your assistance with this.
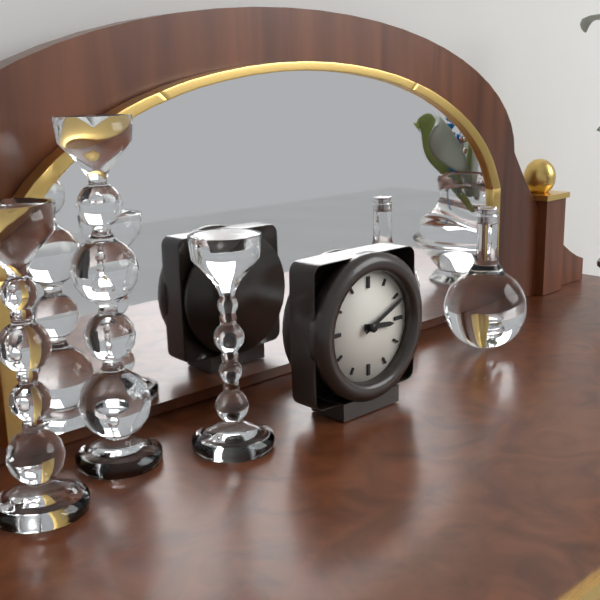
3:11
